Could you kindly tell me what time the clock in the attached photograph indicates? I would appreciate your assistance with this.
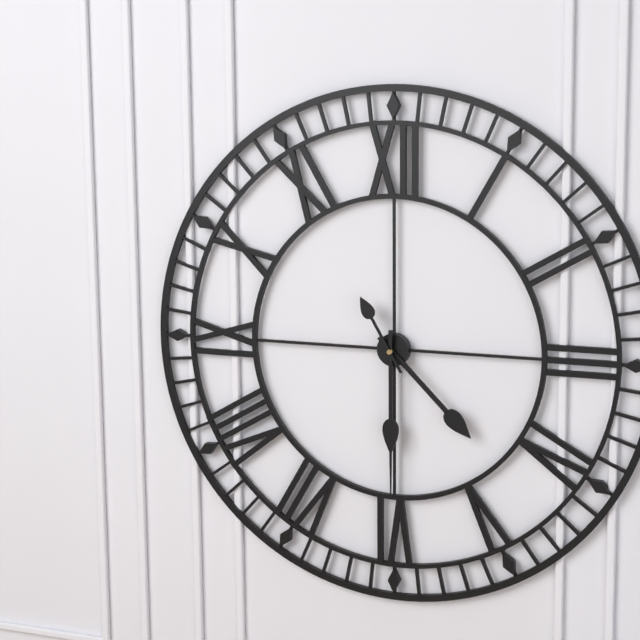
4:30:55
